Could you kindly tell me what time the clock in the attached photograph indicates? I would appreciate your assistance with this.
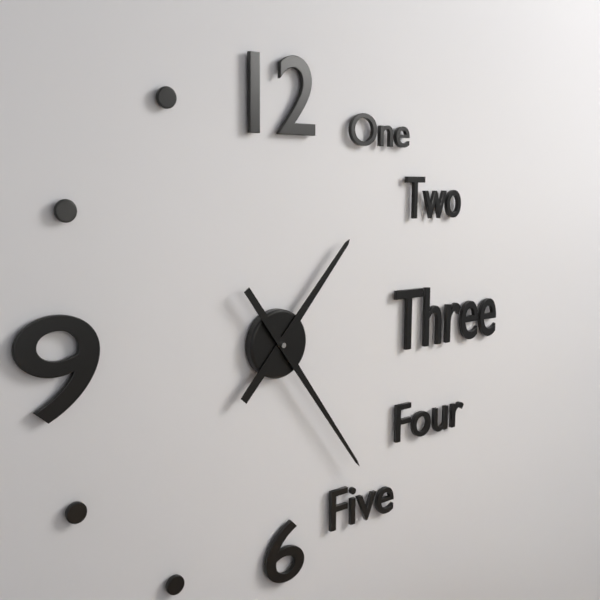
1:24
